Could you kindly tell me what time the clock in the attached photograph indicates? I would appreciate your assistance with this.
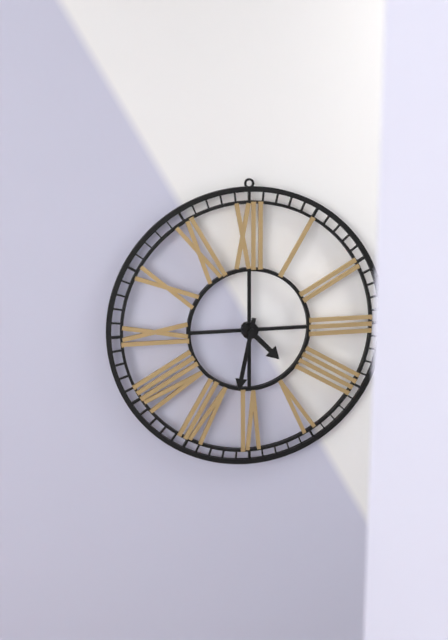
4:32
